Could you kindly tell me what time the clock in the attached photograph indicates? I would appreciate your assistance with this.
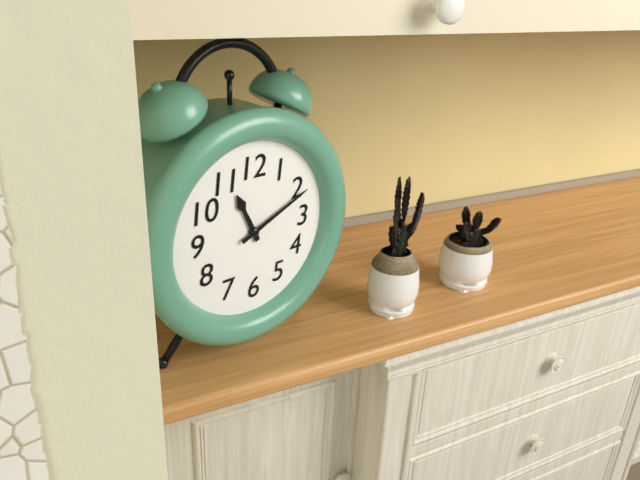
11:11
